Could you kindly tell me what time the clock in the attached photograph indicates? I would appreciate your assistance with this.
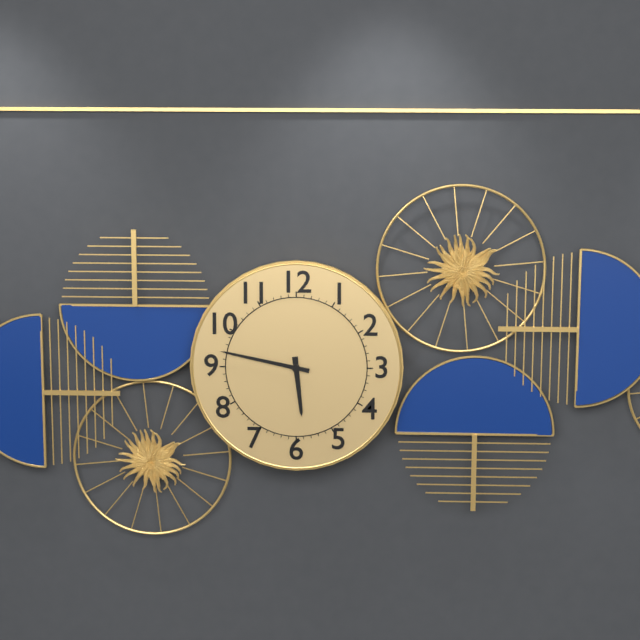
5:47
